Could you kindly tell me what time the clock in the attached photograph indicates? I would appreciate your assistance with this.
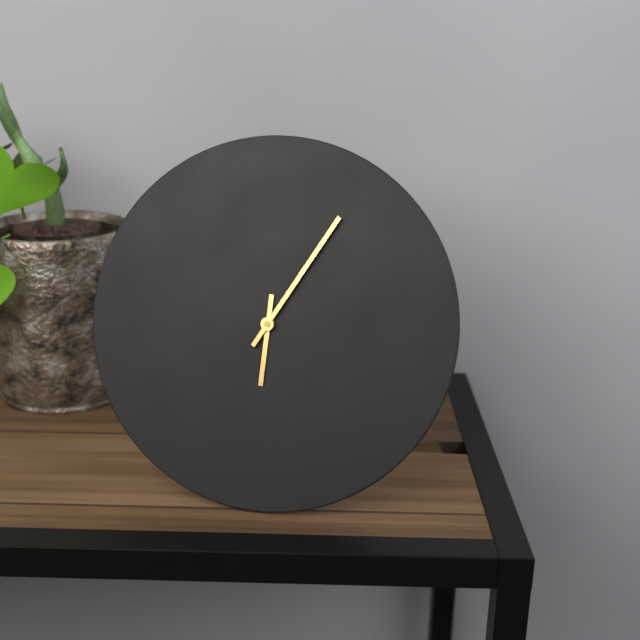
6:05
